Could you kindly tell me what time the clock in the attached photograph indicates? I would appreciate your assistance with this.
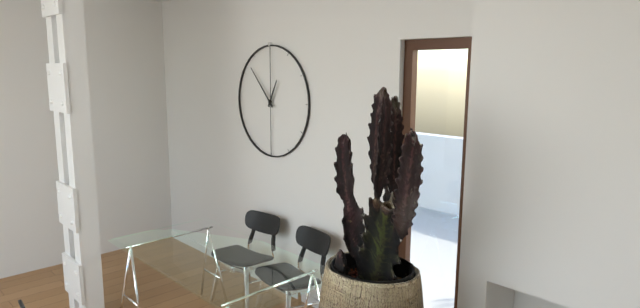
12:53
